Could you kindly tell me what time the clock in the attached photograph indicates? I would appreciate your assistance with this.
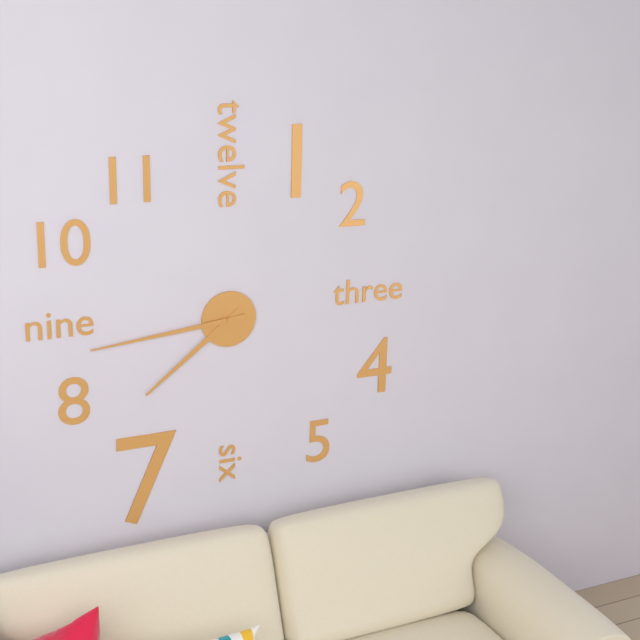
7:44
